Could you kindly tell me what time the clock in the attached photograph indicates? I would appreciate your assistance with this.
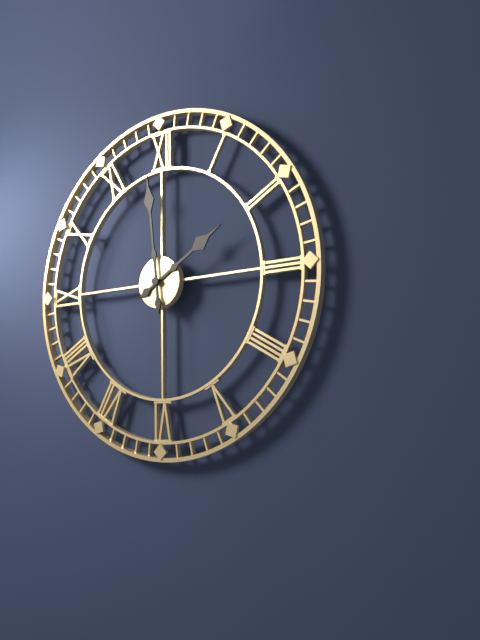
1:59
